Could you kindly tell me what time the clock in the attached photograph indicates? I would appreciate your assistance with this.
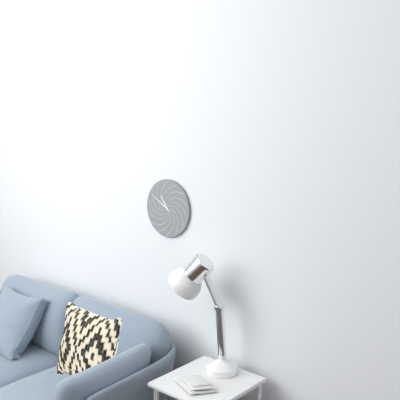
10:50
